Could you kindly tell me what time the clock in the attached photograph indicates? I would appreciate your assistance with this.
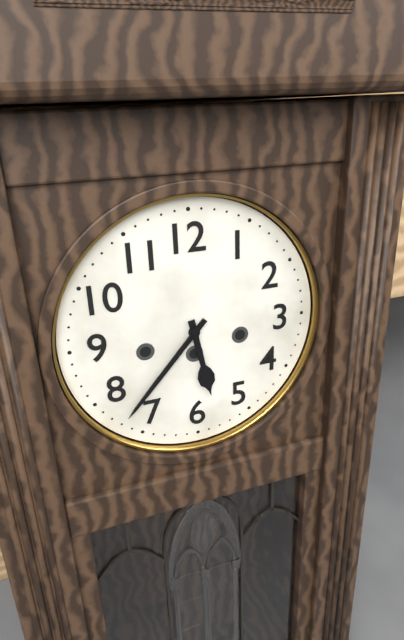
5:37
